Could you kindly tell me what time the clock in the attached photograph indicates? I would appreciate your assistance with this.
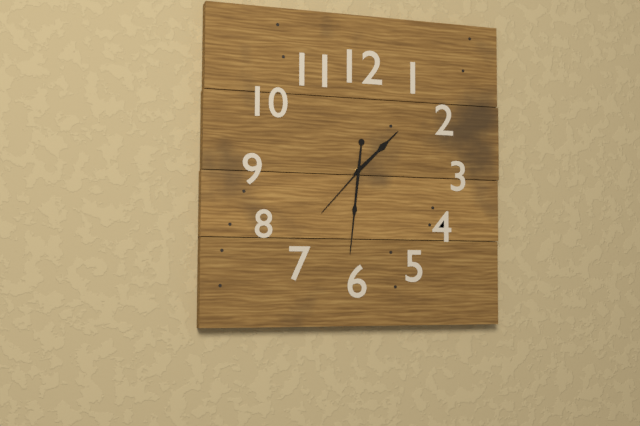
1:31:37
